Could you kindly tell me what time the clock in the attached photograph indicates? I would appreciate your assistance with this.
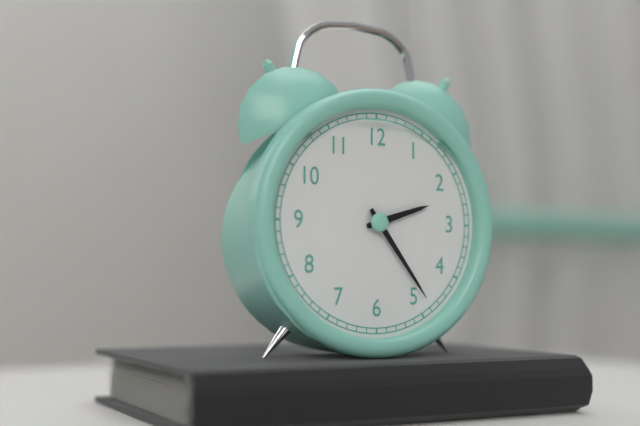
2:24
